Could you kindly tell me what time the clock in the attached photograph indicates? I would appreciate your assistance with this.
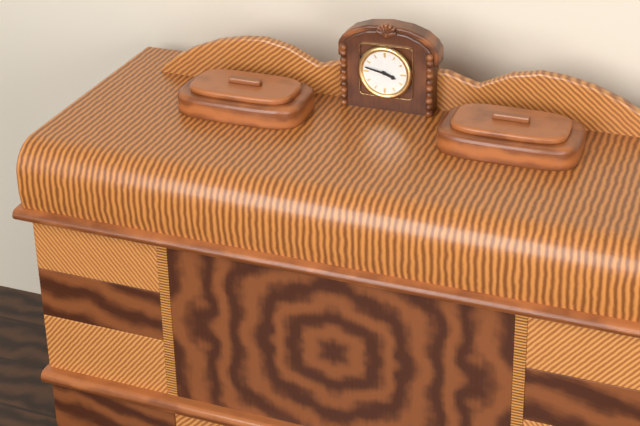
3:47
